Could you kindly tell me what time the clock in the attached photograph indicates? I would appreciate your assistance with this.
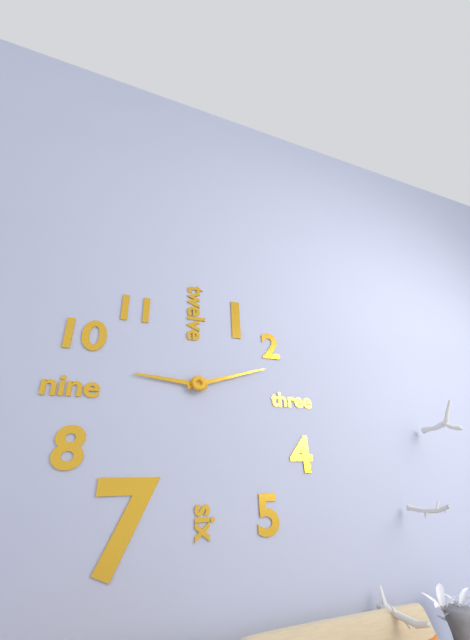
9:12
